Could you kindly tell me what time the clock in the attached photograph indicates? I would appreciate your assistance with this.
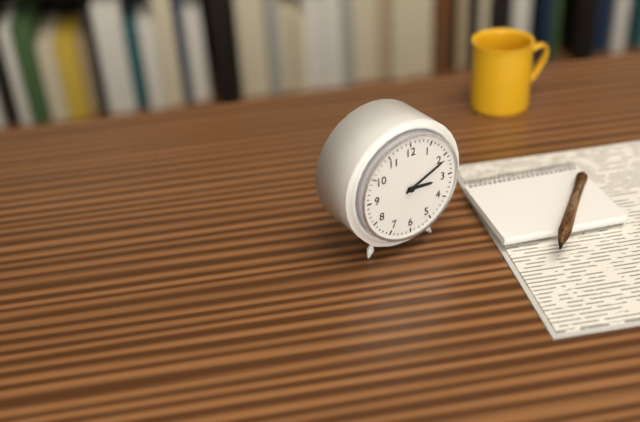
3:11
